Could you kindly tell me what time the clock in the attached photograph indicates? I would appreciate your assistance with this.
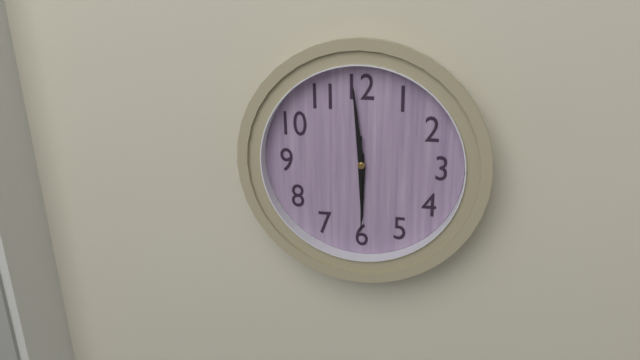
5:59:30
